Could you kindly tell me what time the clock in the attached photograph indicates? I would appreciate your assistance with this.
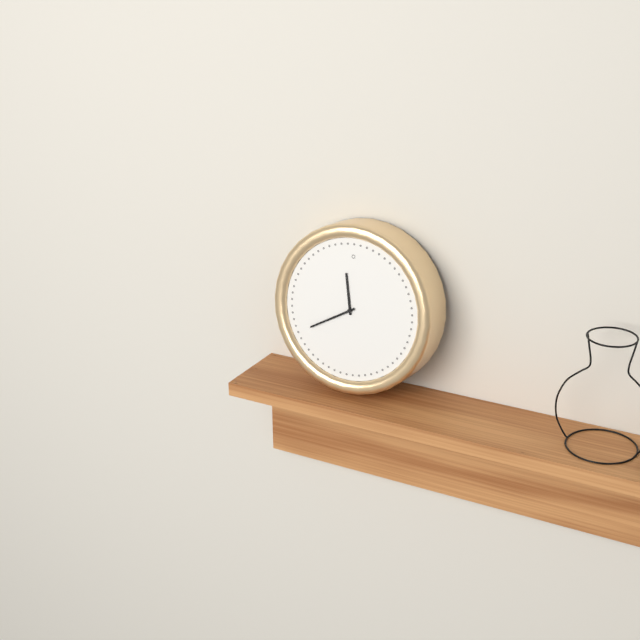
11:40
